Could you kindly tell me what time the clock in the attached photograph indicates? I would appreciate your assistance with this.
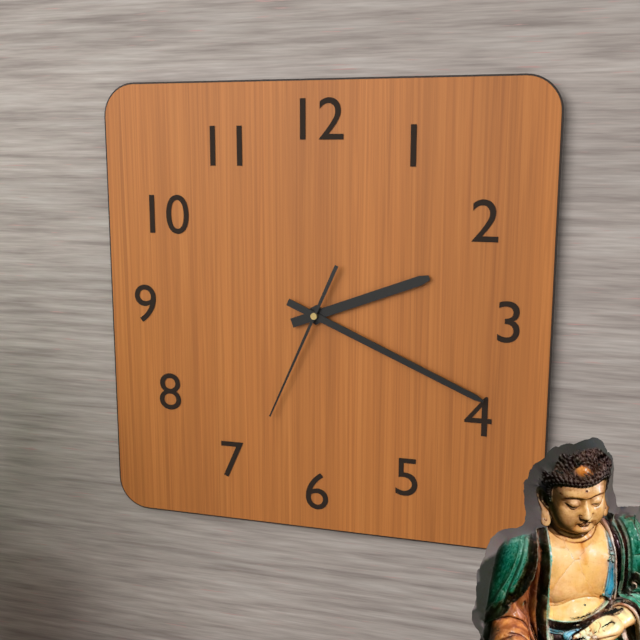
2:19:34
